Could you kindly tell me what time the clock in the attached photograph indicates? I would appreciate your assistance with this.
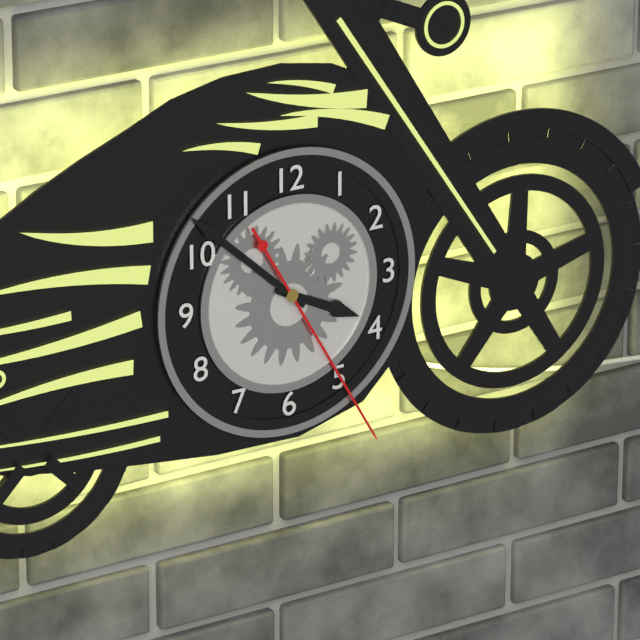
3:52:25
